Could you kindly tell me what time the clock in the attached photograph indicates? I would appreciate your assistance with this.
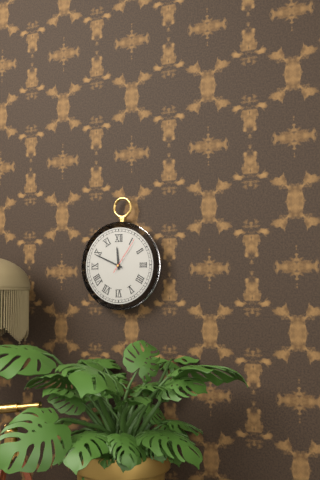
11:49
